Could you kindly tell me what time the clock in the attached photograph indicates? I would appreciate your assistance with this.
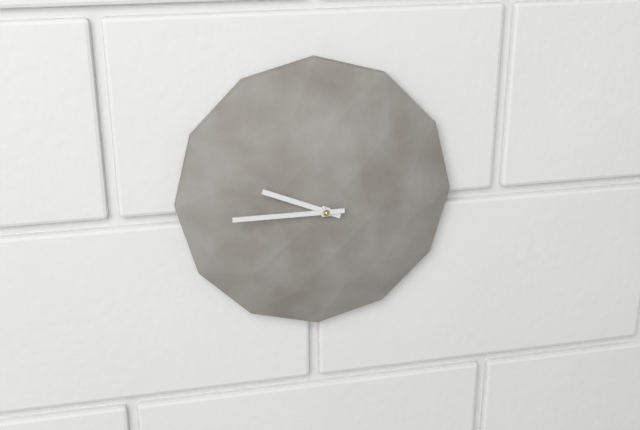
9:45
